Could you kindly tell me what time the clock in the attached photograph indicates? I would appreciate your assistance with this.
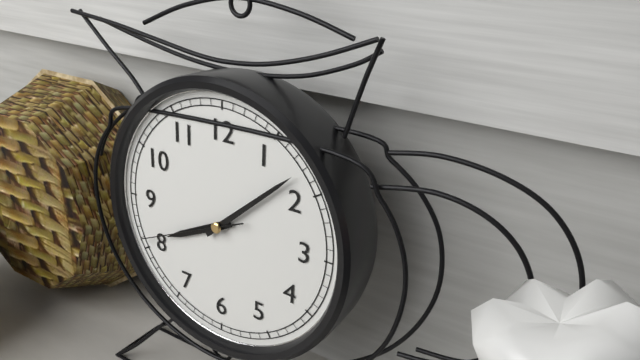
8:08:41
